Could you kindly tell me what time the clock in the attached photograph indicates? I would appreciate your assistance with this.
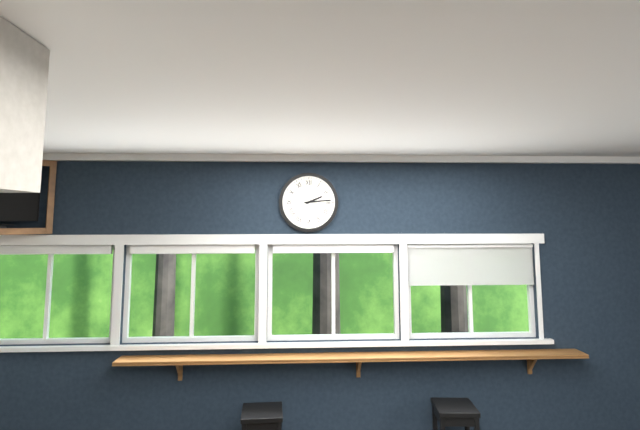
2:14
